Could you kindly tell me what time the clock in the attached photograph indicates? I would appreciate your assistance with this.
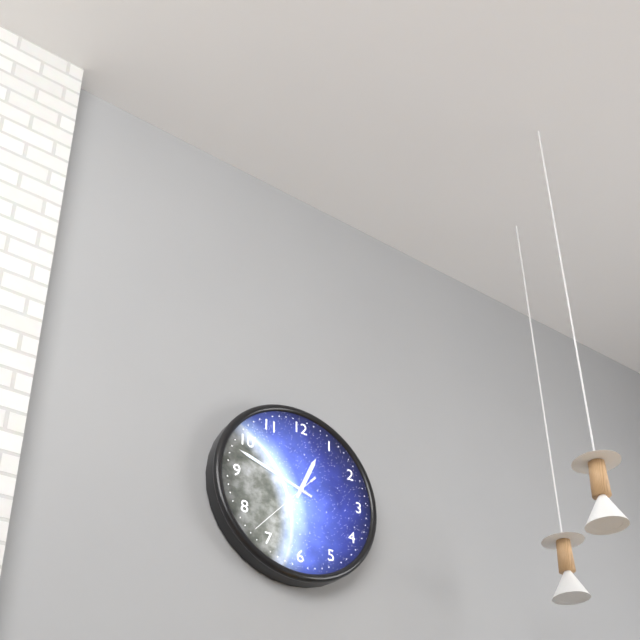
12:48:37
